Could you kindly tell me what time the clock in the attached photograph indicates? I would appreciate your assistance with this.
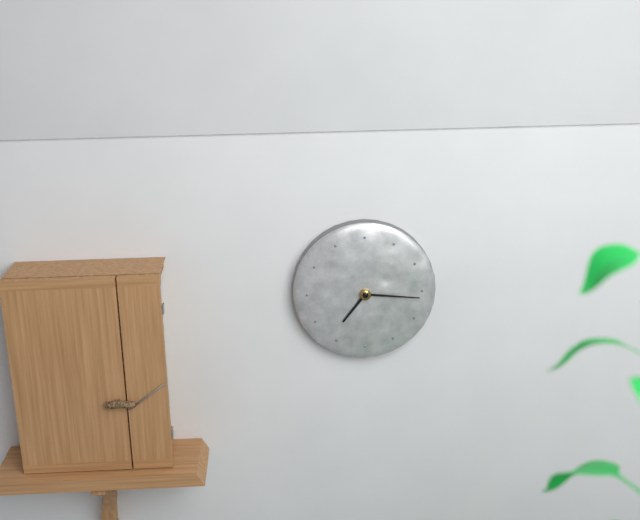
7:16
